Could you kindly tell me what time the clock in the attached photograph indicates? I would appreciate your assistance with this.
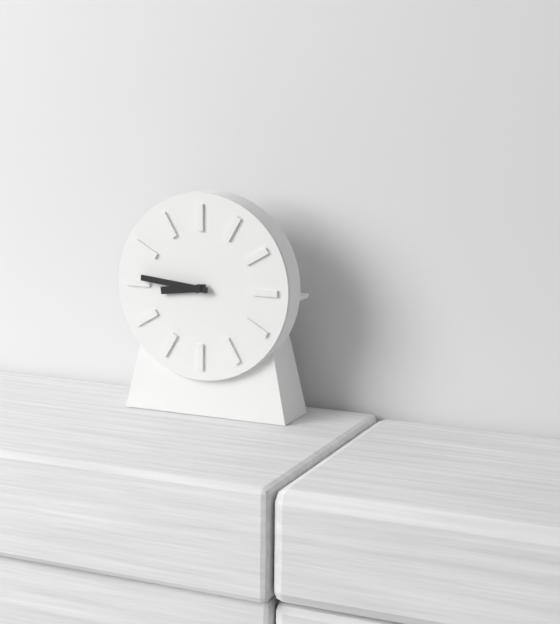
8:46
